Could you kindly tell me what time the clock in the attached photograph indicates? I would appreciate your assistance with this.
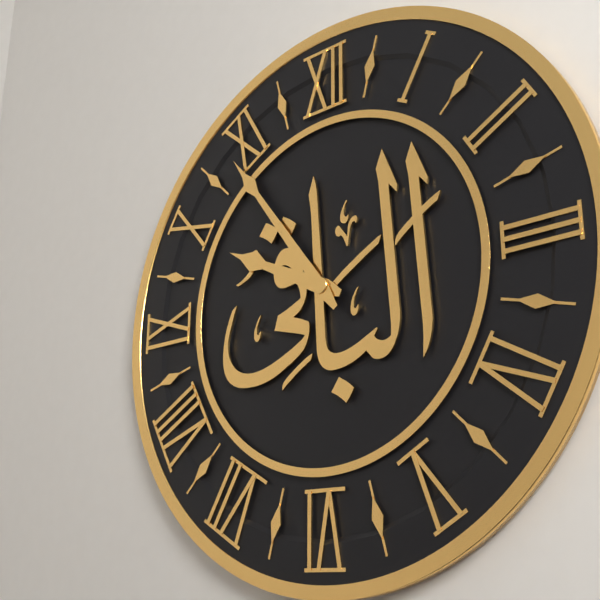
9:54
